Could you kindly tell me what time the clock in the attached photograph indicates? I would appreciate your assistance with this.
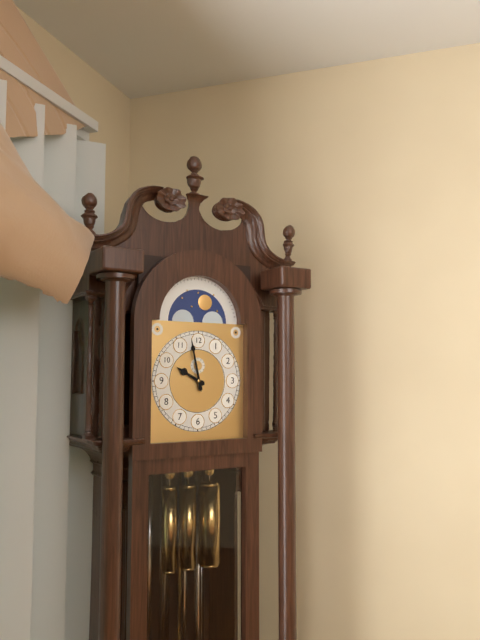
9:58
